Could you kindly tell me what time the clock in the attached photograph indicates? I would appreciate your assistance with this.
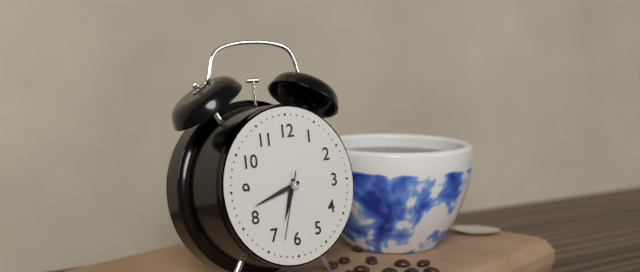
6:42:33
